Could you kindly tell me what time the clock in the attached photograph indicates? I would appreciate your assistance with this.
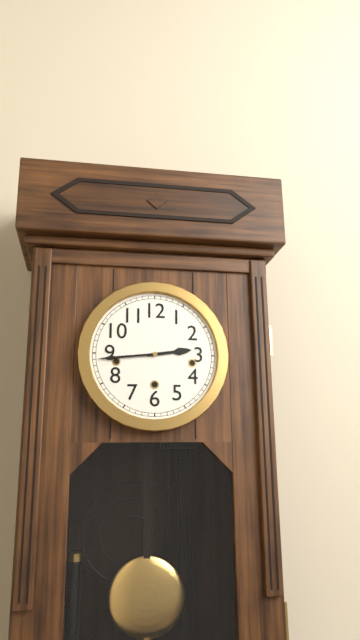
2:44
